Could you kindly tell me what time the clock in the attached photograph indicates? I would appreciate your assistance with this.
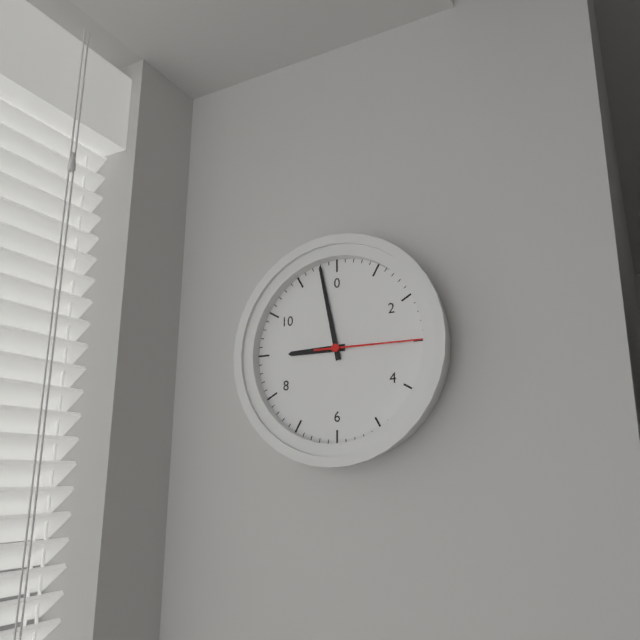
8:58:15
